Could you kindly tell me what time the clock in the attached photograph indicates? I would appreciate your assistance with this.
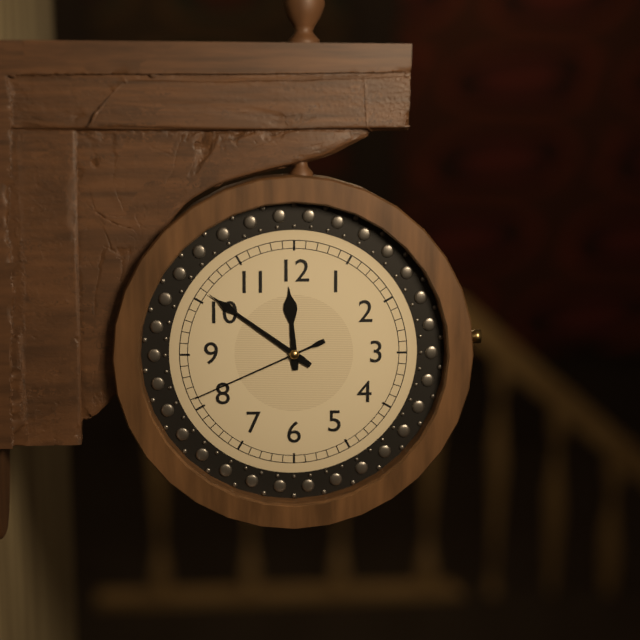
11:51:41
